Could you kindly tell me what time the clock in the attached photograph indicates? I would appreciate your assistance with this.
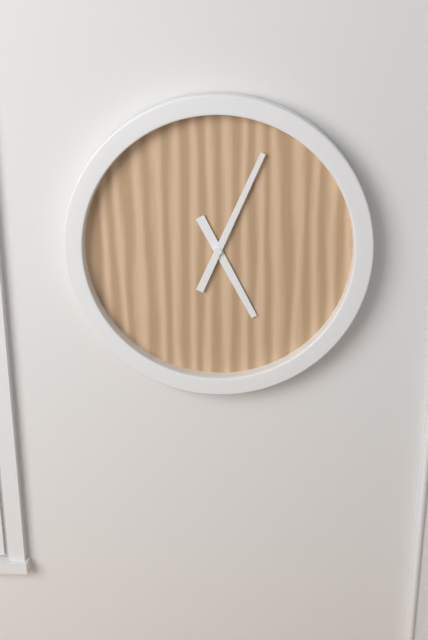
5:04
